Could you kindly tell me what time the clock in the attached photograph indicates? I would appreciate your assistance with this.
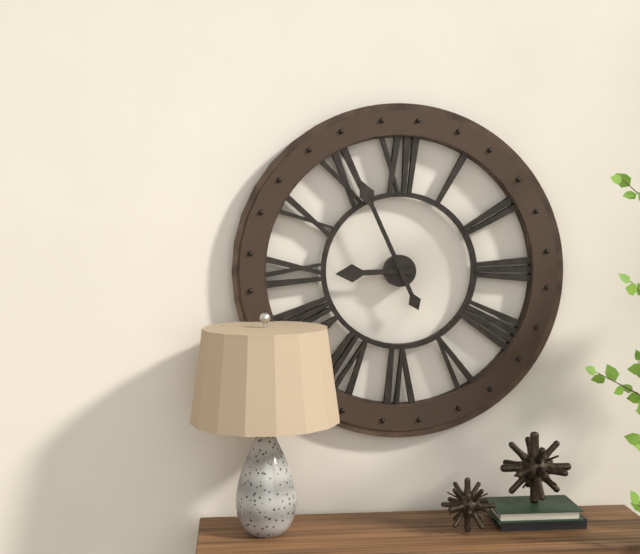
8:56
